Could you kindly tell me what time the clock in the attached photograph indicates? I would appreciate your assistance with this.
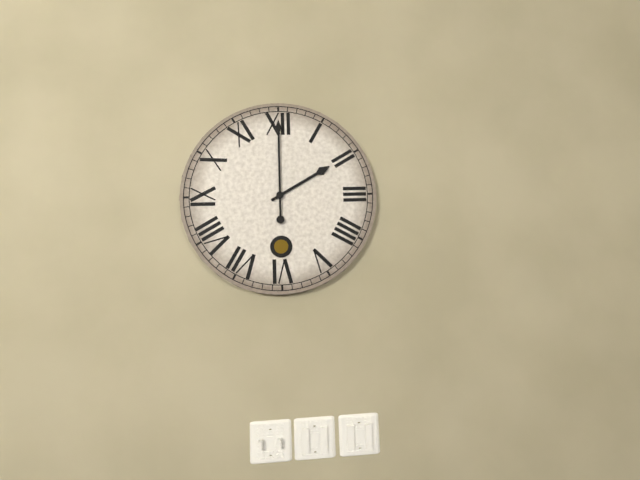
2:00
